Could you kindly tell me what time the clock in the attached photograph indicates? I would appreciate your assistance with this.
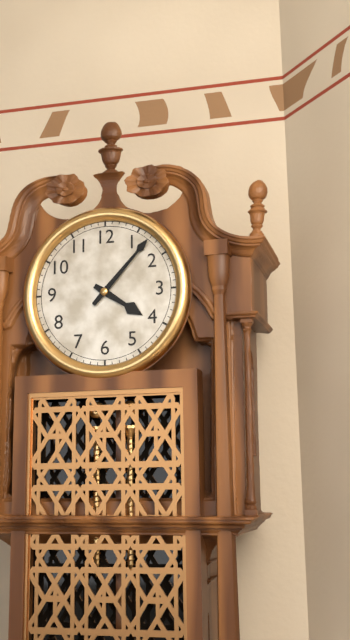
4:07
